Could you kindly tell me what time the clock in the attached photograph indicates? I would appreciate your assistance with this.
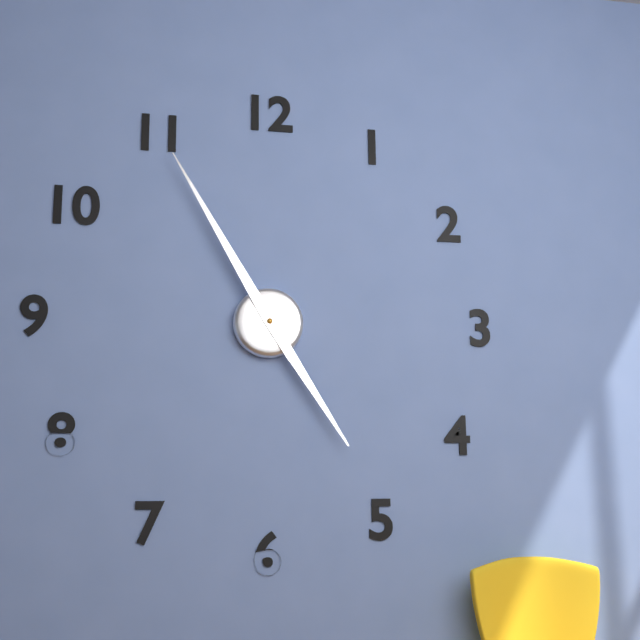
4:55
